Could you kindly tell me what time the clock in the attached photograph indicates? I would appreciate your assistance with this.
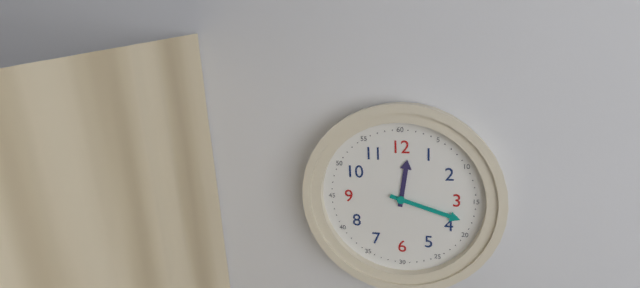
12:18
